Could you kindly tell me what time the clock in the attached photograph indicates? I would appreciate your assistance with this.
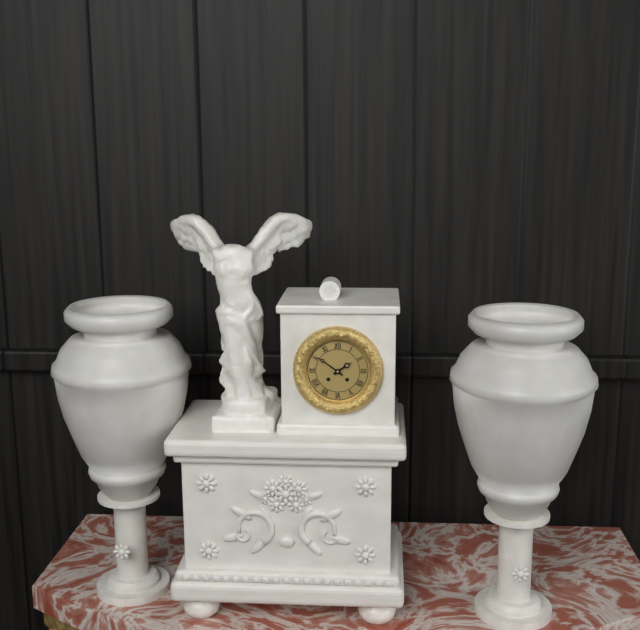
1:51
